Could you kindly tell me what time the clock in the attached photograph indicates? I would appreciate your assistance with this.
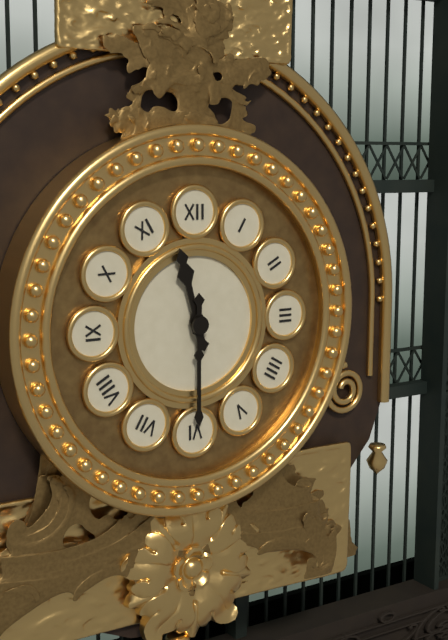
11:30
